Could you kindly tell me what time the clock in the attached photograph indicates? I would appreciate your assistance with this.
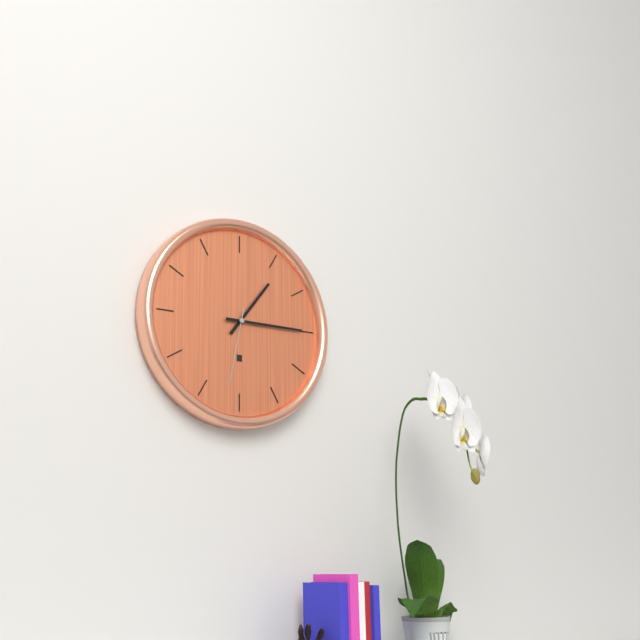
1:15:32
